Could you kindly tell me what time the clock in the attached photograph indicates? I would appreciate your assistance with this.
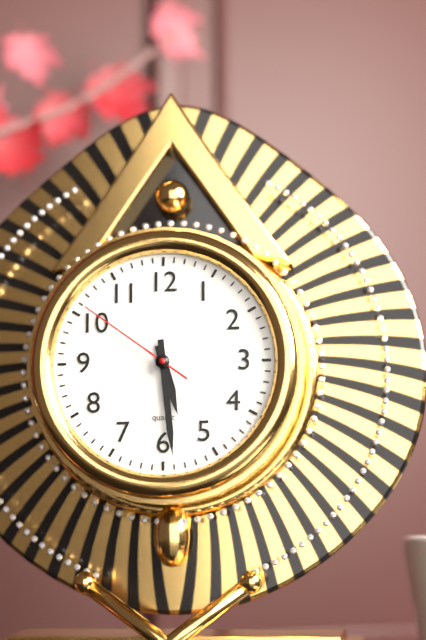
5:29:51
